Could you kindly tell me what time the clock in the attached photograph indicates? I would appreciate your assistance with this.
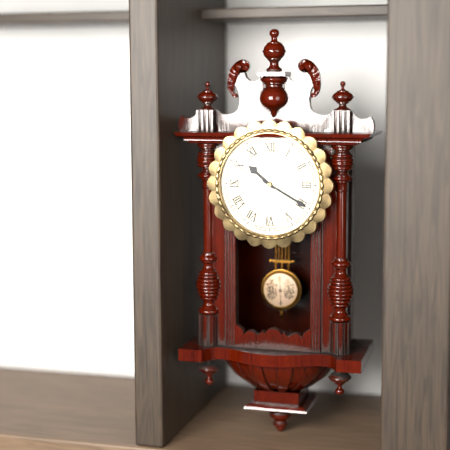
10:20
